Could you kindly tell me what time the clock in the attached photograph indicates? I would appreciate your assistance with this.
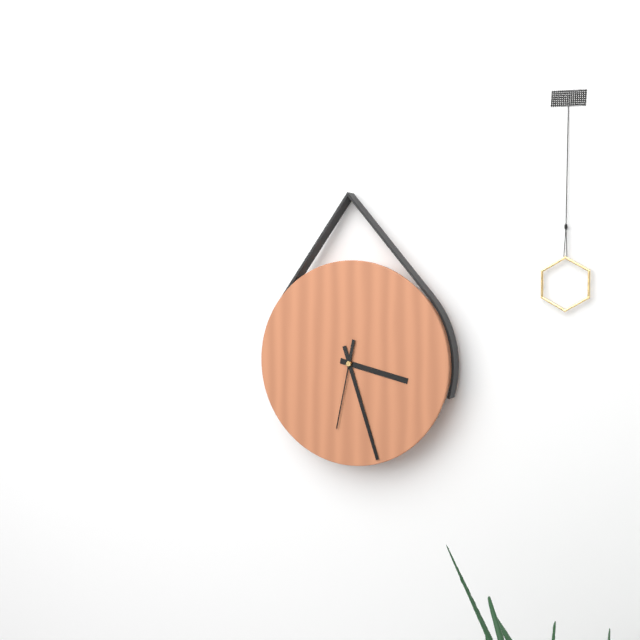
3:27:32
